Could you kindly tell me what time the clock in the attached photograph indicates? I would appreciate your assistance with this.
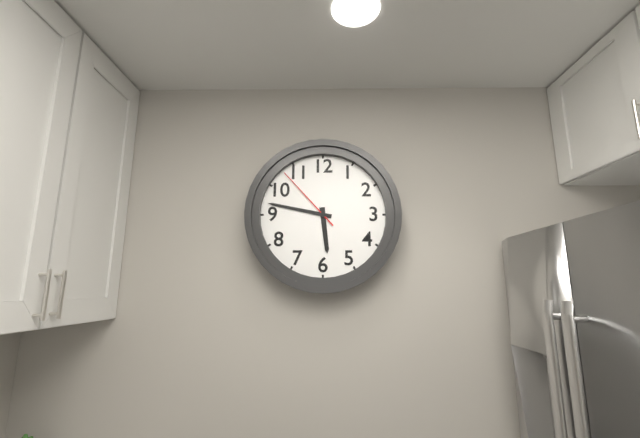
5:47:53
